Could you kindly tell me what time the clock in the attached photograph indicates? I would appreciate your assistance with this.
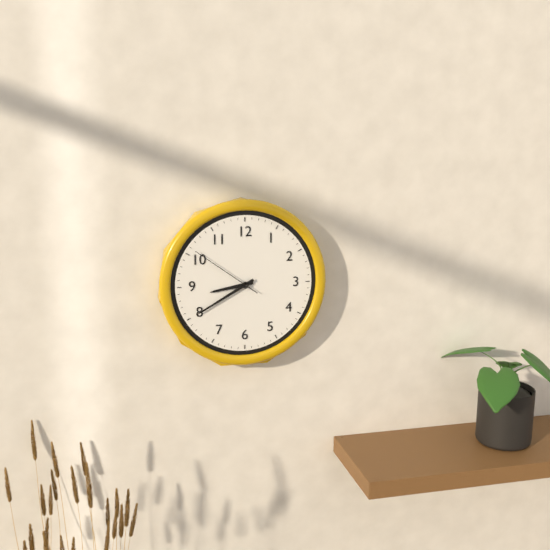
8:40:51
